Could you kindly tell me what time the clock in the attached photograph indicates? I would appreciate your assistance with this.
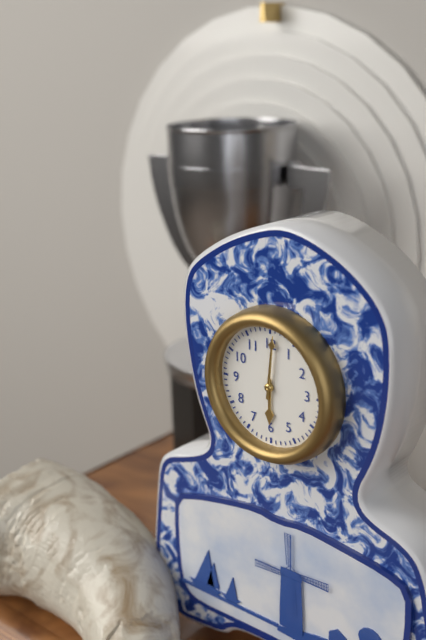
6:01
